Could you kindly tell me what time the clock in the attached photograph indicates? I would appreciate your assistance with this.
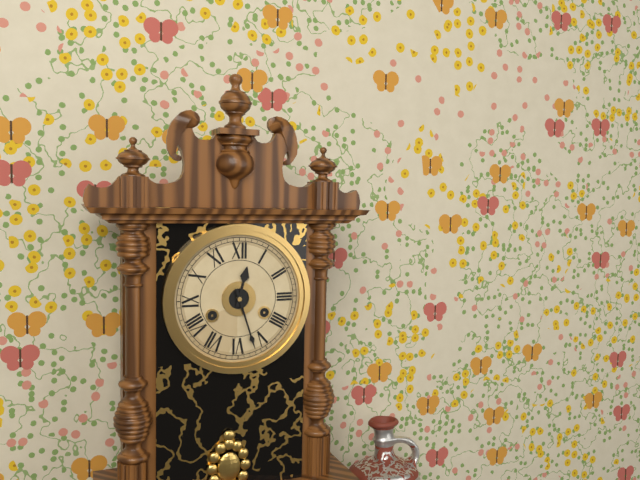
12:27
